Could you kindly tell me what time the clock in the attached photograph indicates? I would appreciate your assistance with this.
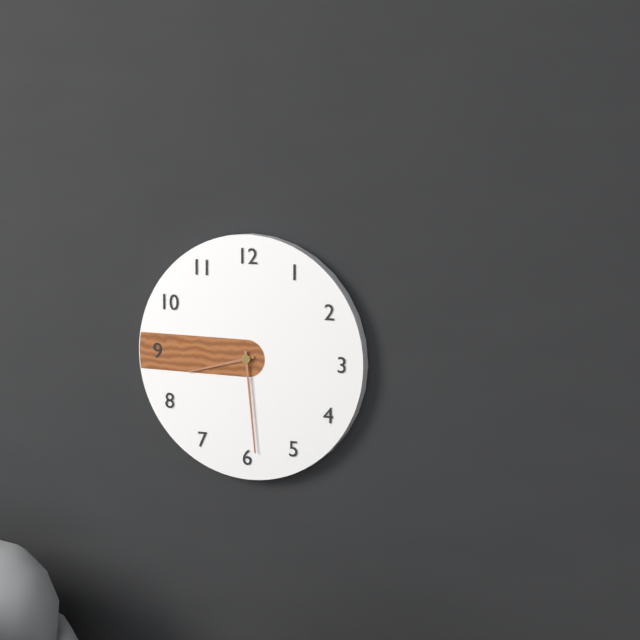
8:29
